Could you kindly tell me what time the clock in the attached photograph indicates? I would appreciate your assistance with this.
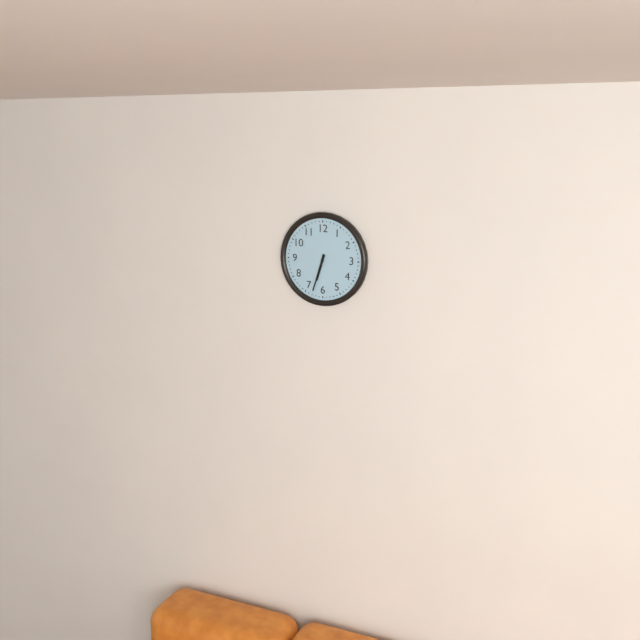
6:33
